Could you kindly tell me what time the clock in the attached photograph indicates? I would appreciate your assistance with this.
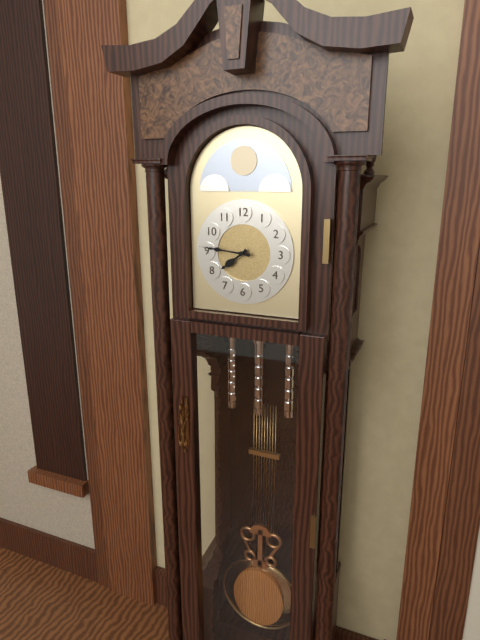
7:46
